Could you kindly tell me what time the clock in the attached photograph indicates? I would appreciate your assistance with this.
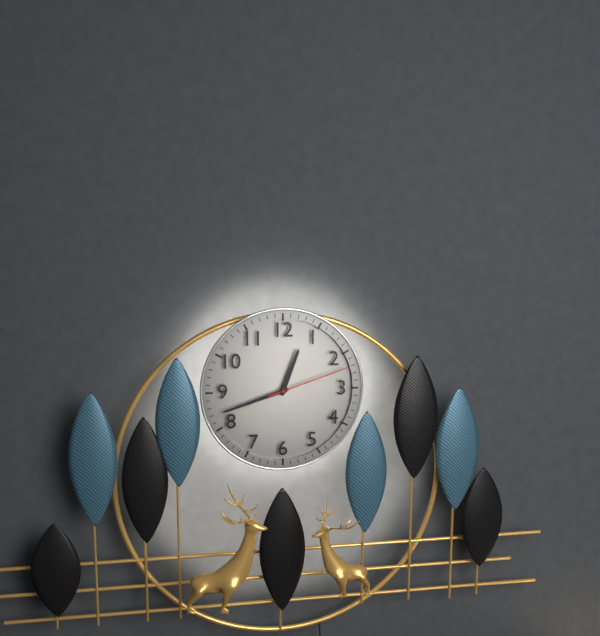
12:42:12
